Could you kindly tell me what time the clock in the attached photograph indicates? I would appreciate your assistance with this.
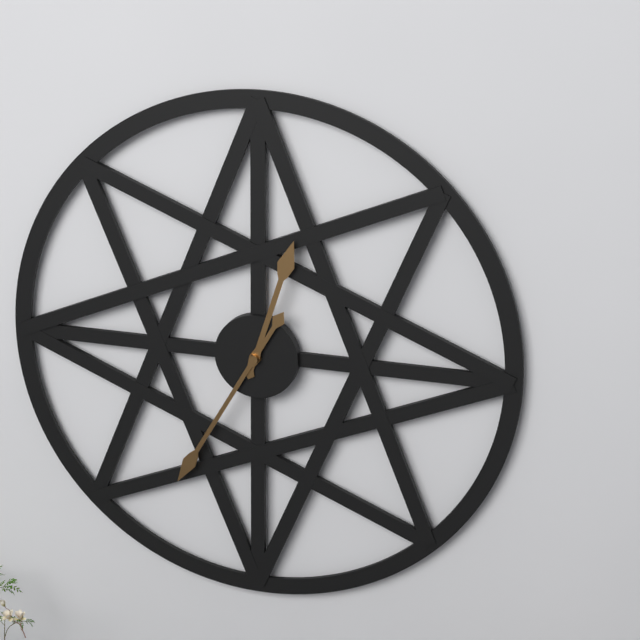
12:35
